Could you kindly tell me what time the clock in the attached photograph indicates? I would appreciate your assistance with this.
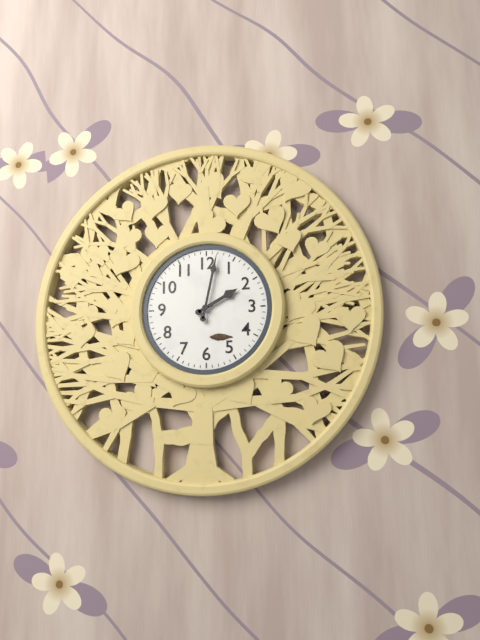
2:02
